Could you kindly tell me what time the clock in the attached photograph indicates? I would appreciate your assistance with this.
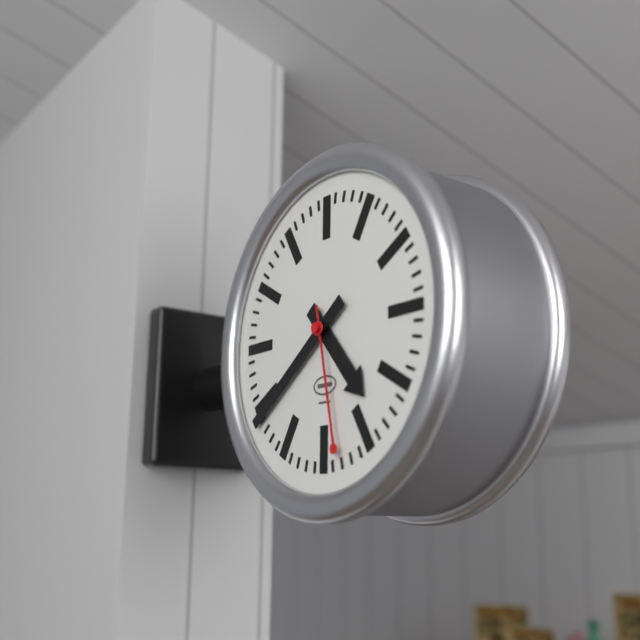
4:39:28
